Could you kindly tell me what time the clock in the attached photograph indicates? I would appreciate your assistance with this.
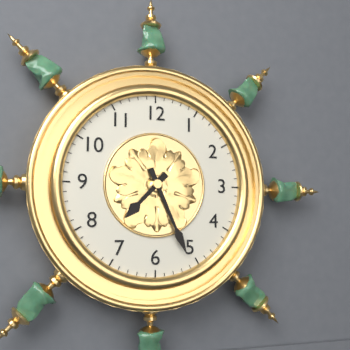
7:26
